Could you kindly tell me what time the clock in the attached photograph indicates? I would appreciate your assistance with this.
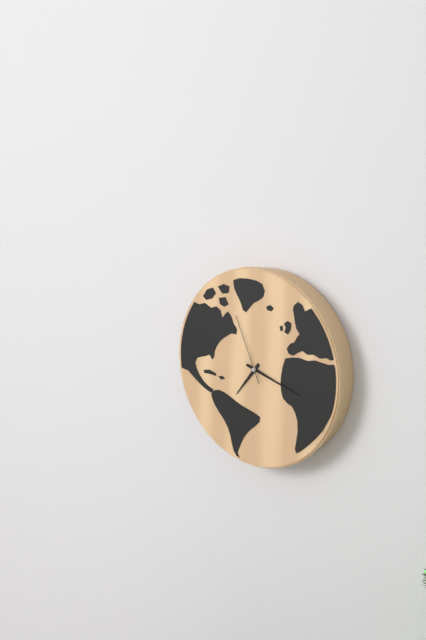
7:18:56
